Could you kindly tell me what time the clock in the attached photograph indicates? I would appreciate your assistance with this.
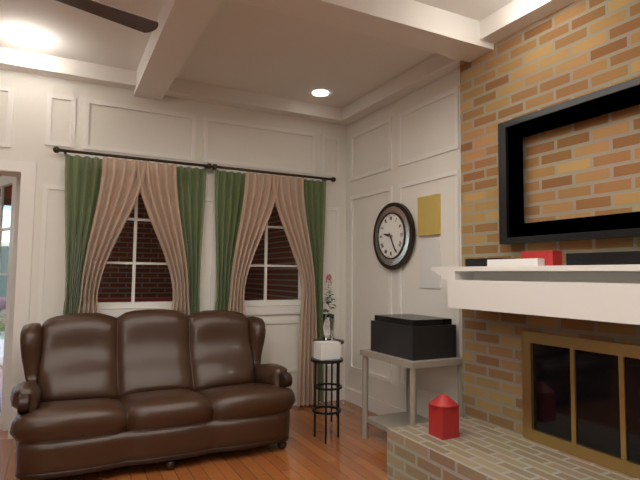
9:25
